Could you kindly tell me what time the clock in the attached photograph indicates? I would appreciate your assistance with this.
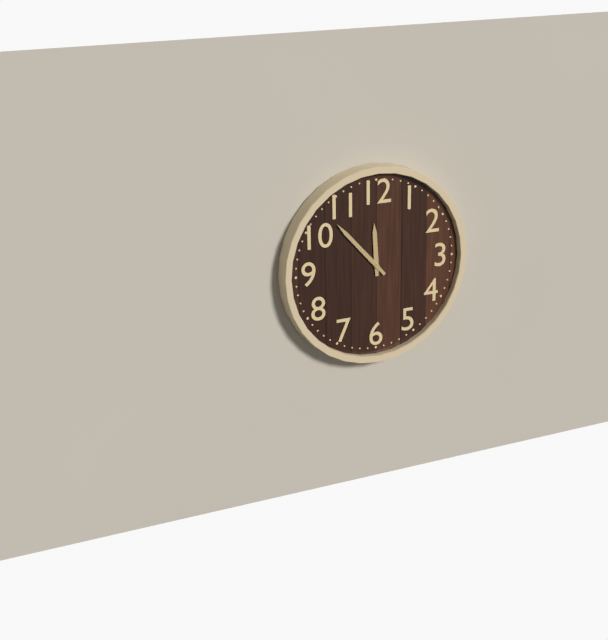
11:53
